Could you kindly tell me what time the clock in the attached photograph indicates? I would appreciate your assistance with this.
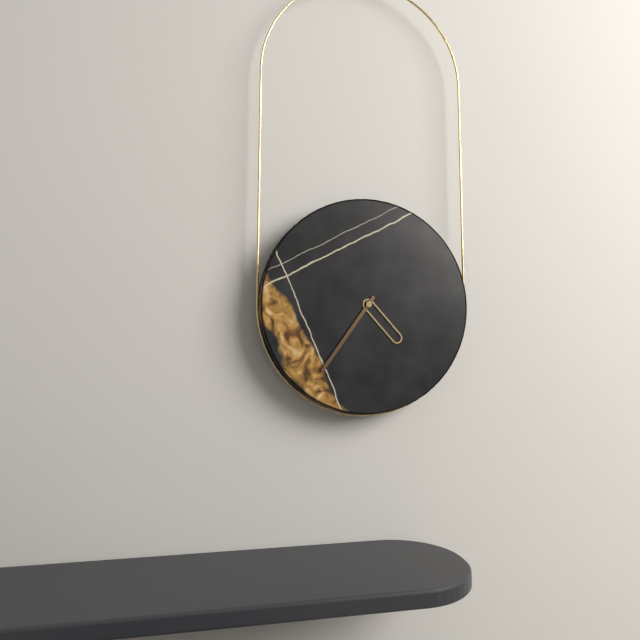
4:36
